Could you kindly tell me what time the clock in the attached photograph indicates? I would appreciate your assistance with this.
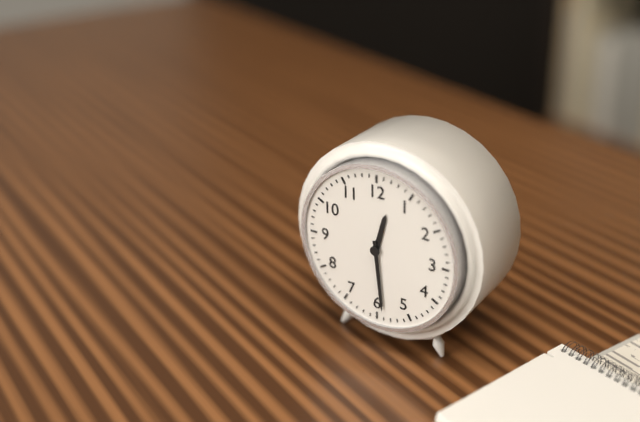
12:29
